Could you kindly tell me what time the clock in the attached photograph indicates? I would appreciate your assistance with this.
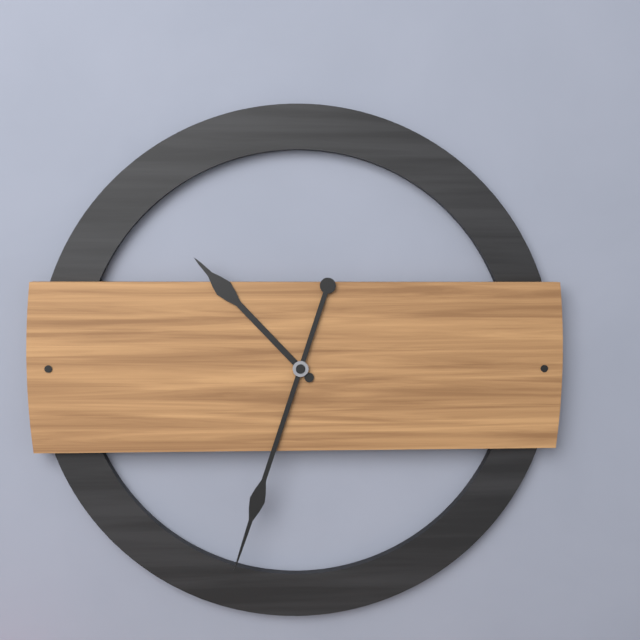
10:33
